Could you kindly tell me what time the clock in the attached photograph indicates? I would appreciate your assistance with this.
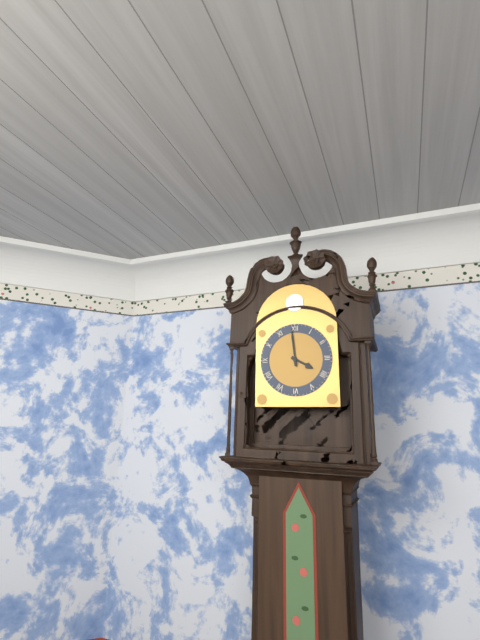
3:59
